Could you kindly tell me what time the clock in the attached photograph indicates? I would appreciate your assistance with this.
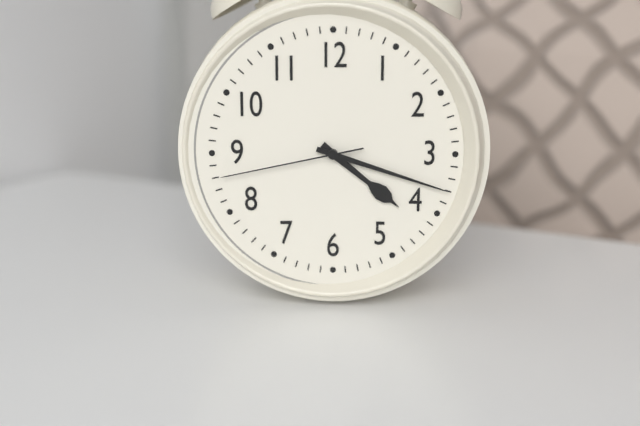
4:18:43
